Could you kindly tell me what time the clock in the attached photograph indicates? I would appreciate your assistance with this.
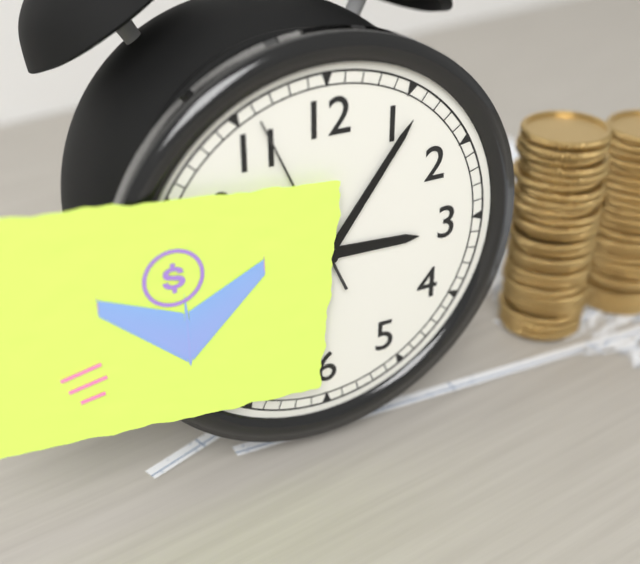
3:06:56
